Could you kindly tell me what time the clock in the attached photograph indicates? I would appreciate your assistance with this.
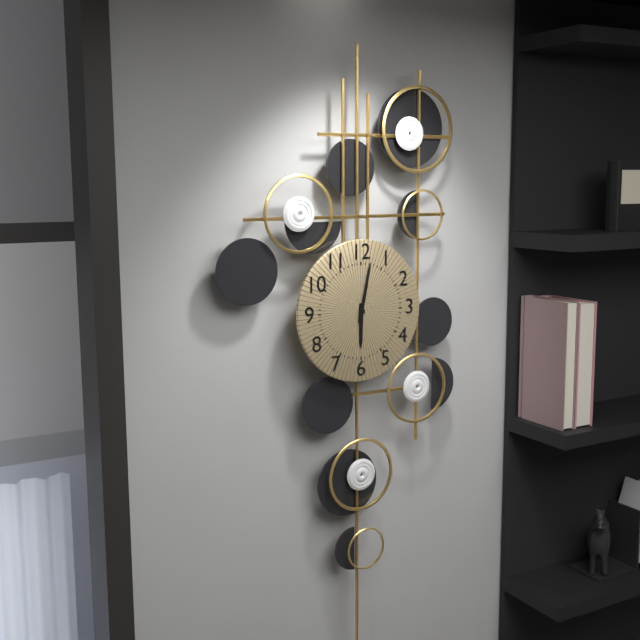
6:02
